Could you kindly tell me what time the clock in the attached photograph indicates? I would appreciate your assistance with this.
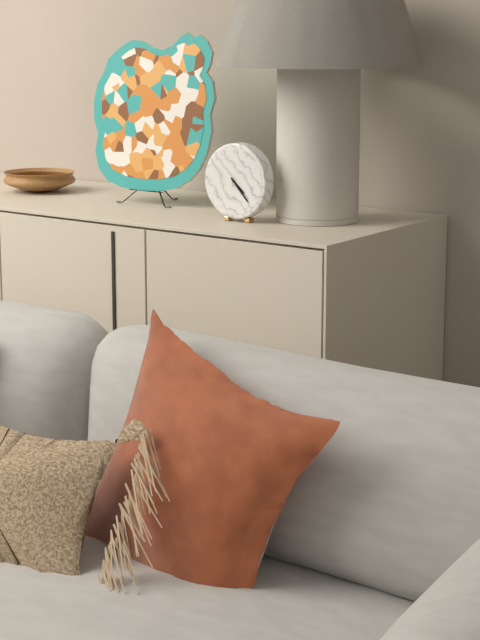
4:23
